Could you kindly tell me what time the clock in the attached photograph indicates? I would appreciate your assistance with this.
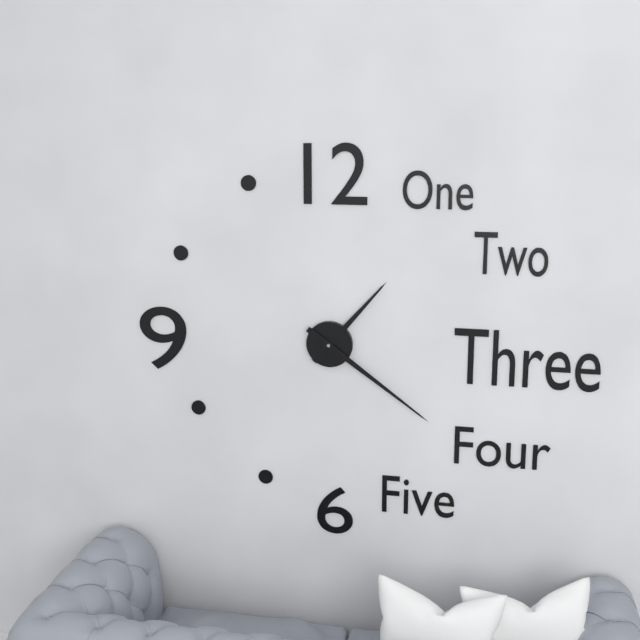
1:21
